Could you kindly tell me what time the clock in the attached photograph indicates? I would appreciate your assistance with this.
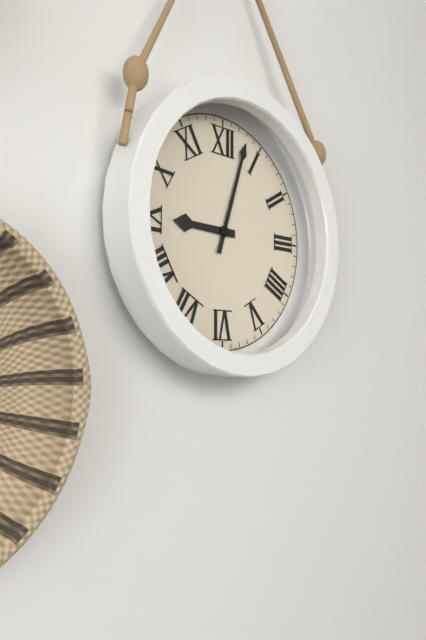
9:03
